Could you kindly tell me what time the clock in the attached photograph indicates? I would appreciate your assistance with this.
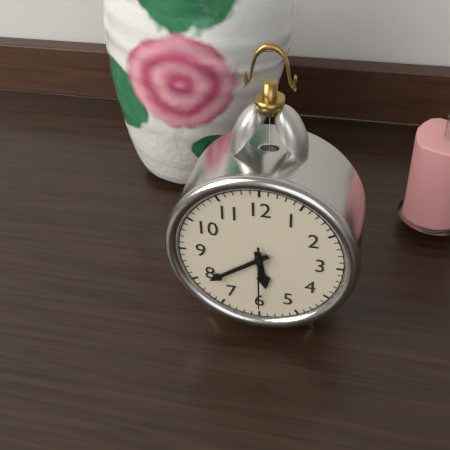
5:39:30
